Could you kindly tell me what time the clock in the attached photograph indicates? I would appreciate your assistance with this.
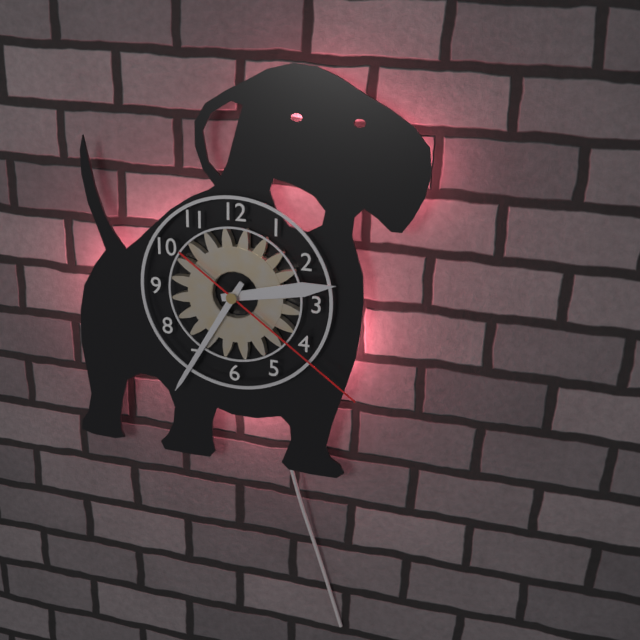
2:35:21
